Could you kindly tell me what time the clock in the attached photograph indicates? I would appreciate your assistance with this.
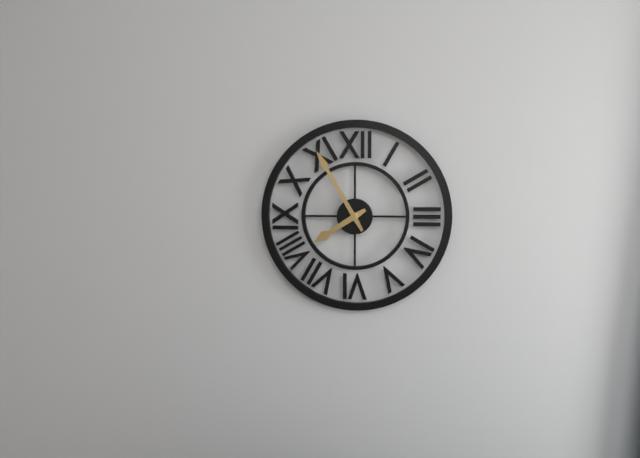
7:55
